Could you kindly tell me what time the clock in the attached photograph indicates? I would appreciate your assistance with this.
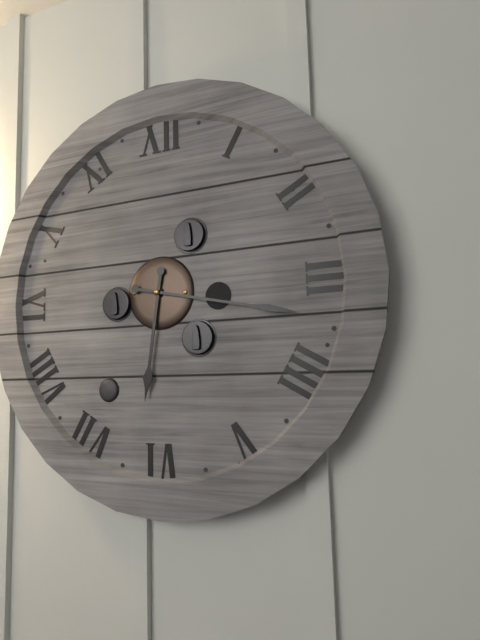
6:17
